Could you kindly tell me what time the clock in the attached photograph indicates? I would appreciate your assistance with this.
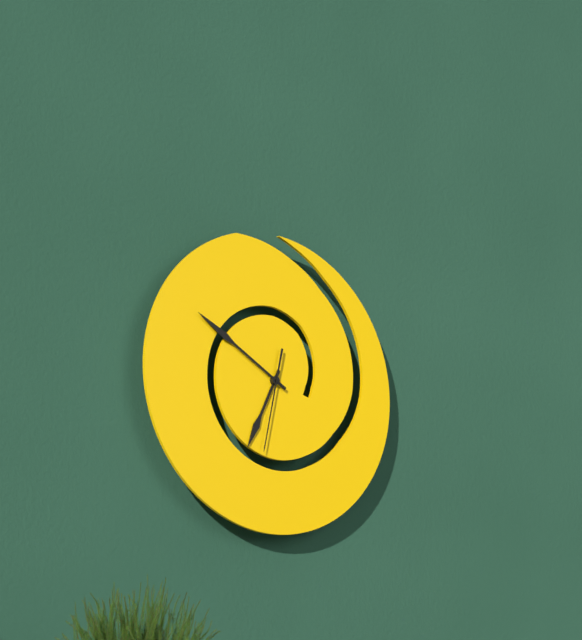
6:50:32
